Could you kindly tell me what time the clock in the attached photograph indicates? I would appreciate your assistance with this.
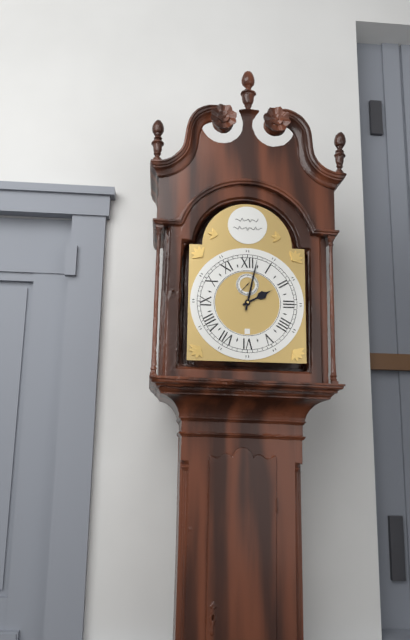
2:02
